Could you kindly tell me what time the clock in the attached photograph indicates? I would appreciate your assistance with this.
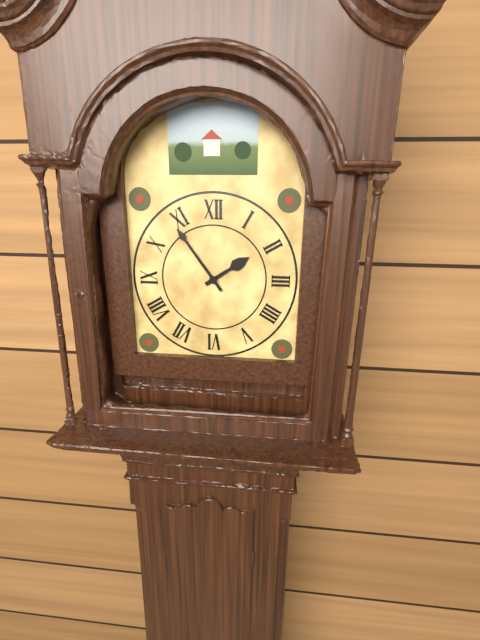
1:54
